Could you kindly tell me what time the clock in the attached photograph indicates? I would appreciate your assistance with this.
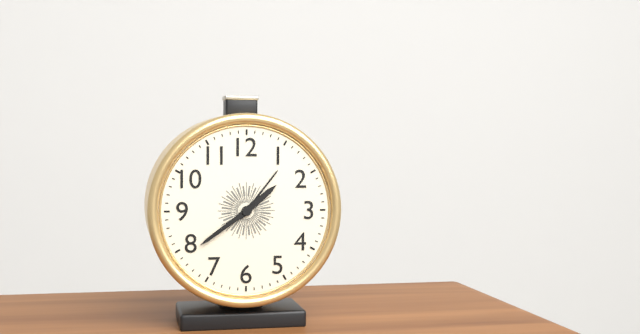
1:39
